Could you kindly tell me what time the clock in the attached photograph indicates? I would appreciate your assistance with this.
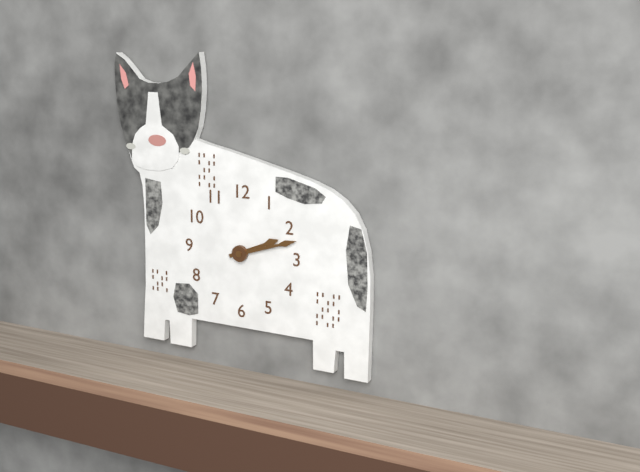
2:12
